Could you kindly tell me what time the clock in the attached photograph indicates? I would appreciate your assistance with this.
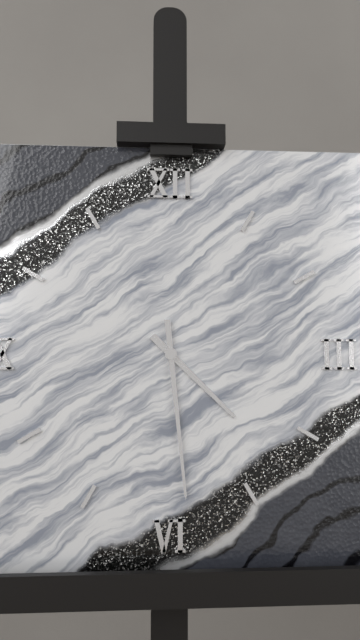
4:29
